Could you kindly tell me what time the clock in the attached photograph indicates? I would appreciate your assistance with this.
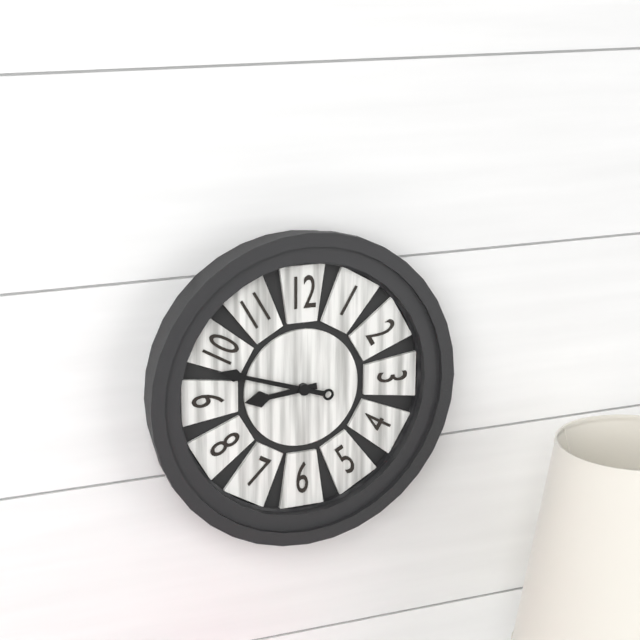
8:48
